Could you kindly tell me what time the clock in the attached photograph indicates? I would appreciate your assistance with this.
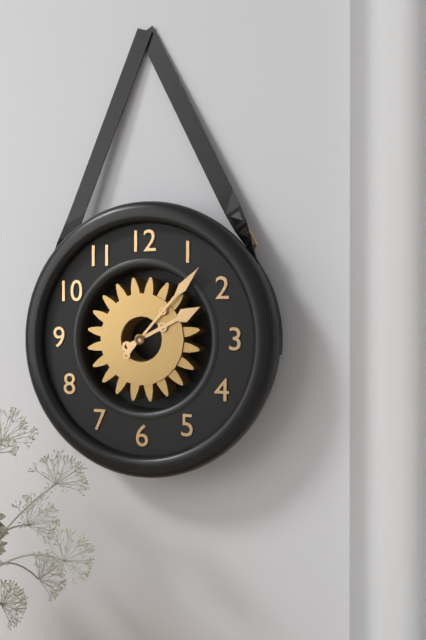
2:07
